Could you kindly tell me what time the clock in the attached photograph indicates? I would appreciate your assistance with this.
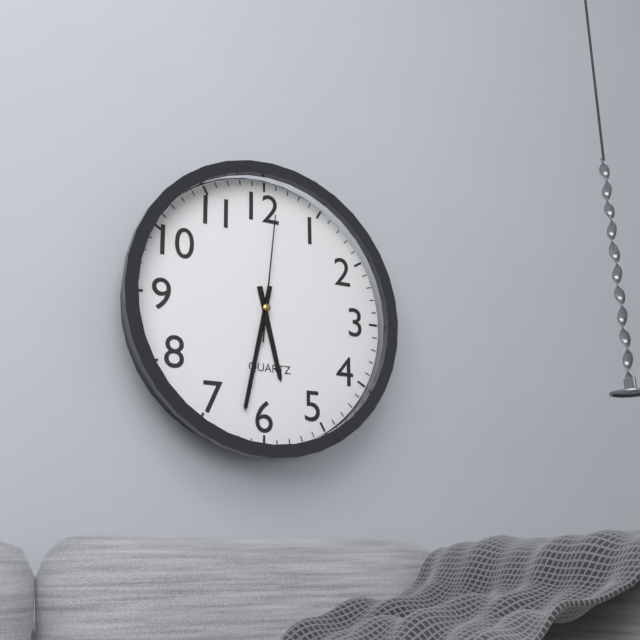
5:32:01
